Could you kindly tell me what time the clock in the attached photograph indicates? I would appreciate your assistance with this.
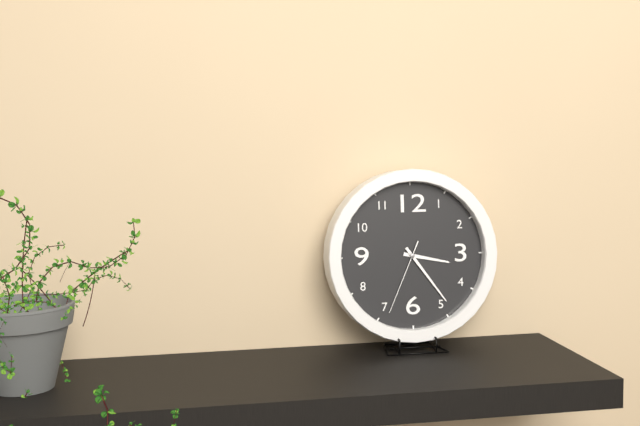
3:24:34
